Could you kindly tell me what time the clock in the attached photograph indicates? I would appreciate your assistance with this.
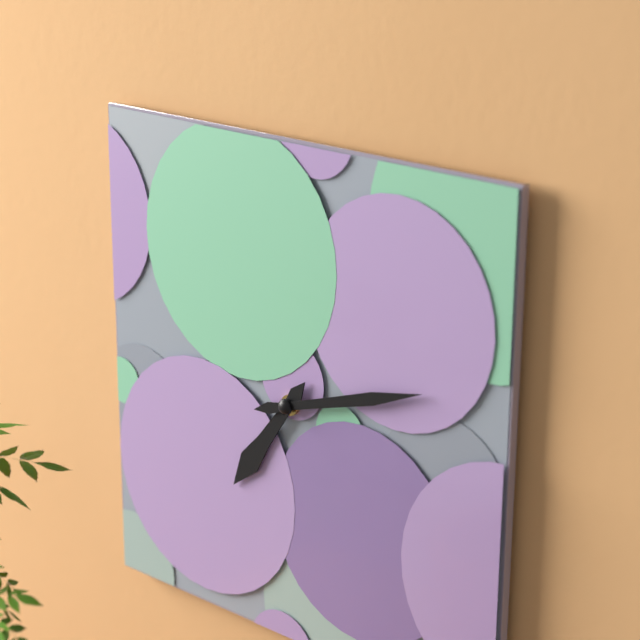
7:12
